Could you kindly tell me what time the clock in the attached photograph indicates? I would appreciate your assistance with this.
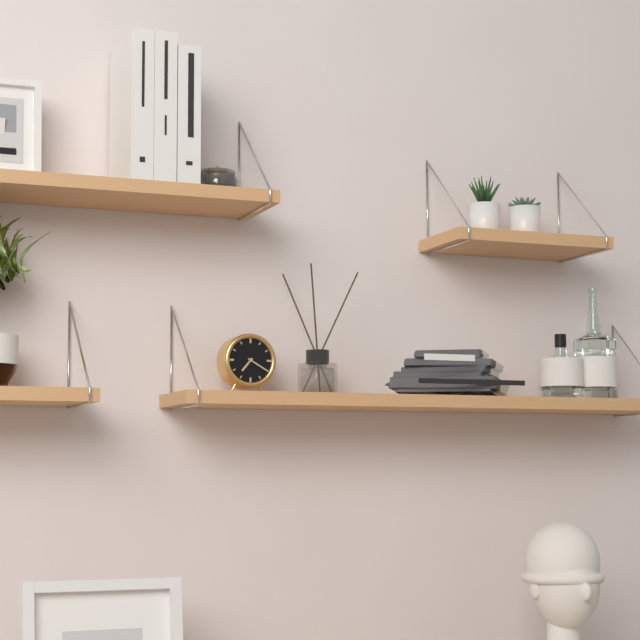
7:20
